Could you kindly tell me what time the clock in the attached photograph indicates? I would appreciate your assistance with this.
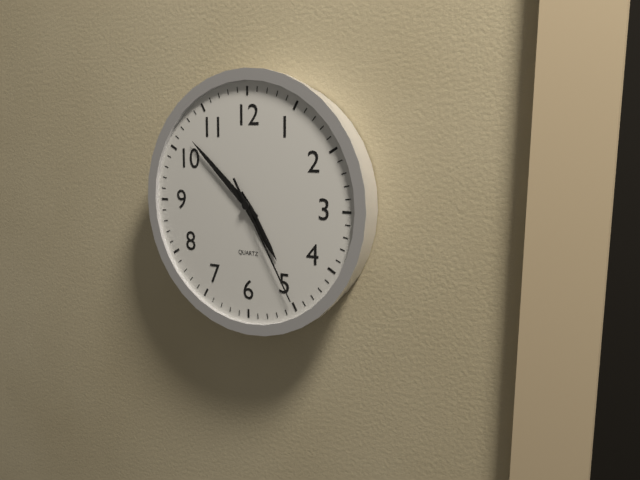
4:52:25
